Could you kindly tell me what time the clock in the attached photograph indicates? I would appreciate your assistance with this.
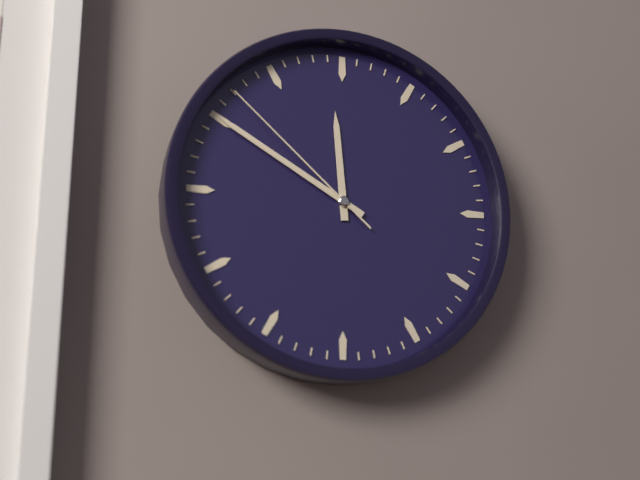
11:50:52
